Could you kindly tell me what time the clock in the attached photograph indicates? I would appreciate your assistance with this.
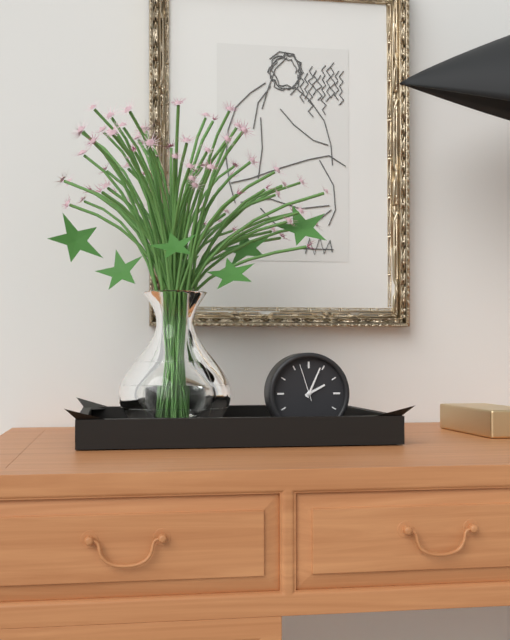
2:04
